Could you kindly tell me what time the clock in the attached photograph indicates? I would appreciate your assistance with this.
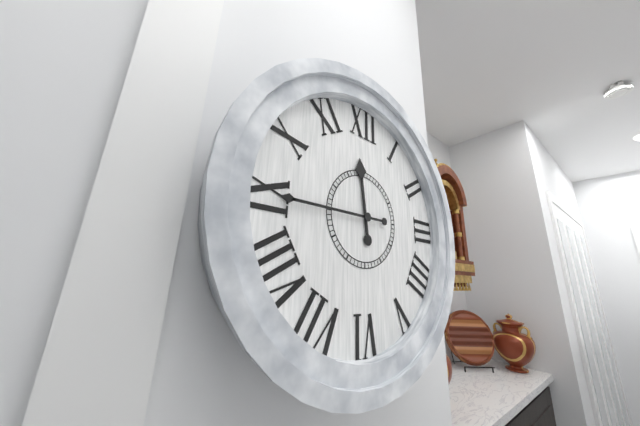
11:45
